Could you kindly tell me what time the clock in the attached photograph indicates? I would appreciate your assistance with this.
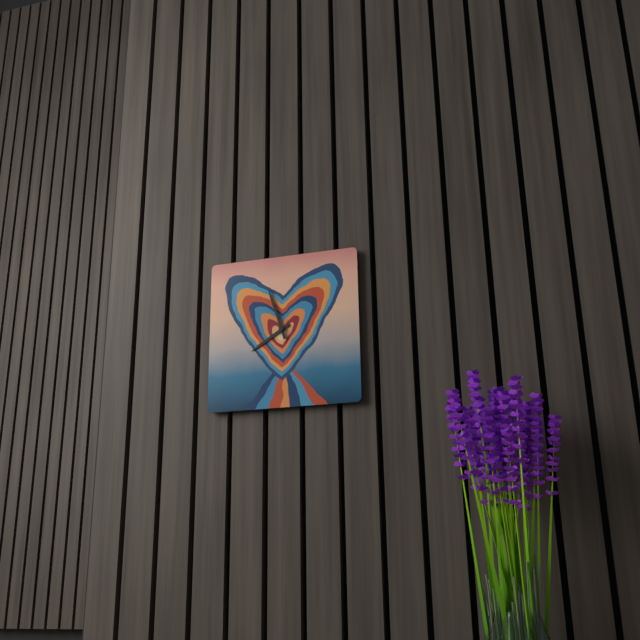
7:57
